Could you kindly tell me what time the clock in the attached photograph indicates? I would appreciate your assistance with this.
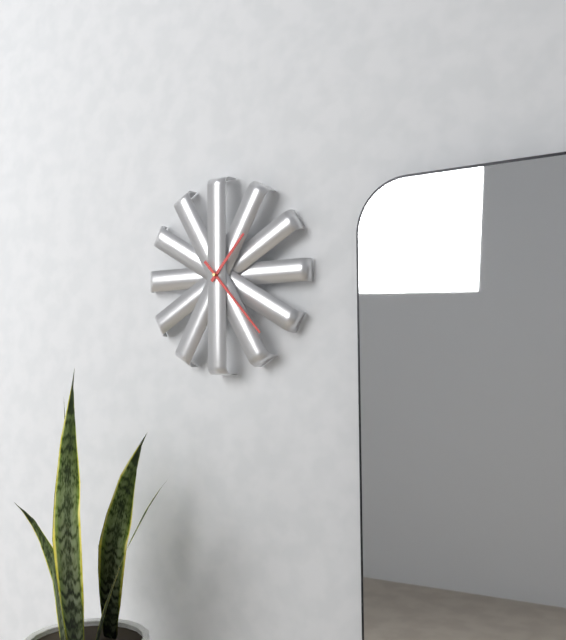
1:23
